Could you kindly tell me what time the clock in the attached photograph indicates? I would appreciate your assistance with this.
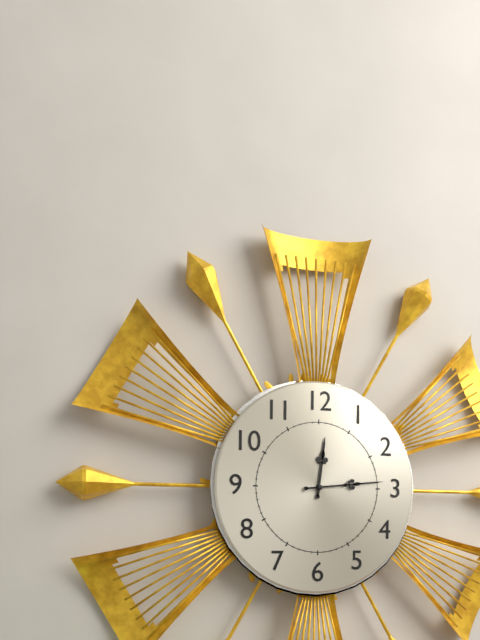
12:14
